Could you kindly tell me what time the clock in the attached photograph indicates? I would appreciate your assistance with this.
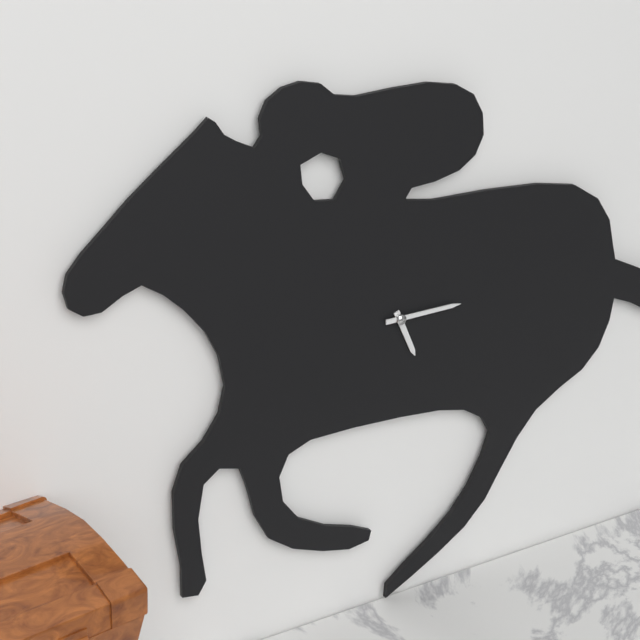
5:15
